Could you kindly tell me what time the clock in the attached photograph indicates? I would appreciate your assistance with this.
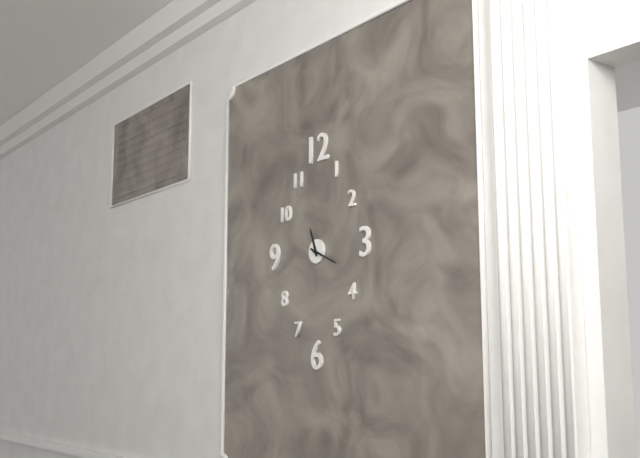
11:19
